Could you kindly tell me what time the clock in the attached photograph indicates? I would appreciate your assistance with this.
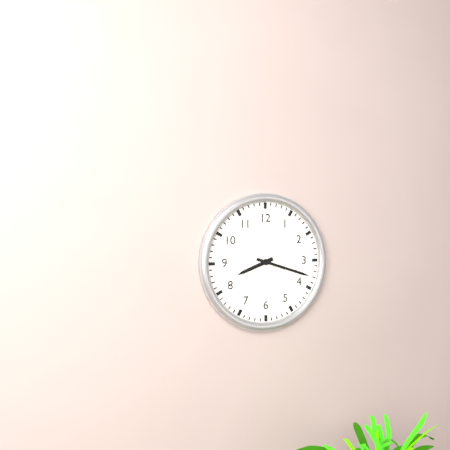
8:18
